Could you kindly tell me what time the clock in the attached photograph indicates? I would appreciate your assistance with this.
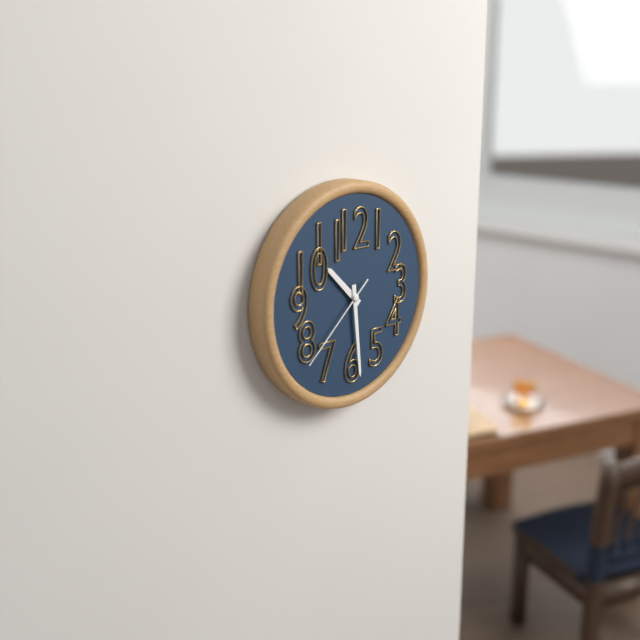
10:29:38
